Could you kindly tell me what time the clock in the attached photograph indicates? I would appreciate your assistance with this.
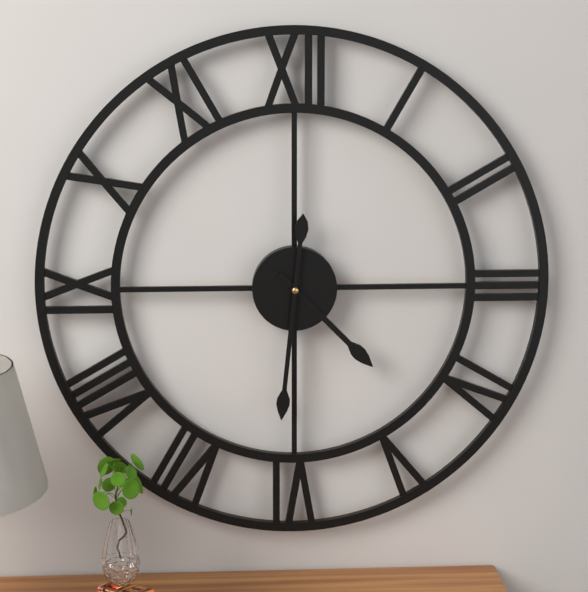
4:31
